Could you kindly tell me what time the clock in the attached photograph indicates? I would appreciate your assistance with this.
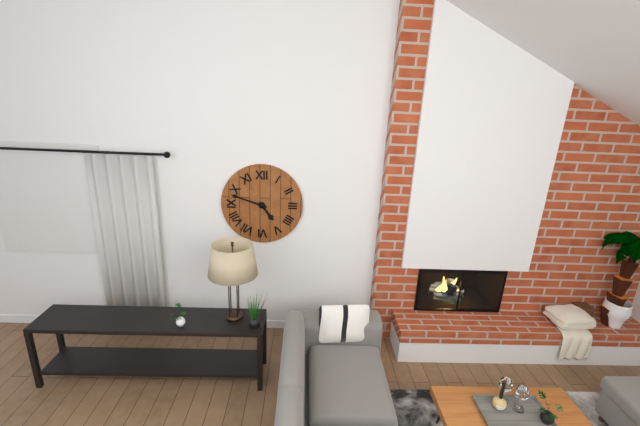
4:48
